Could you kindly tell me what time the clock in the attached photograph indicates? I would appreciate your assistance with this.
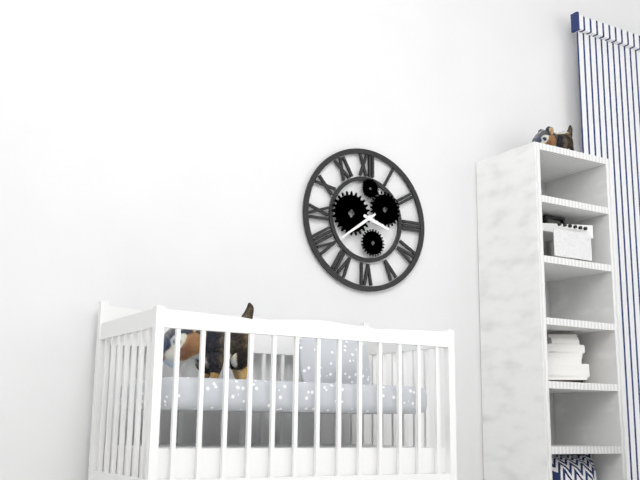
3:39
